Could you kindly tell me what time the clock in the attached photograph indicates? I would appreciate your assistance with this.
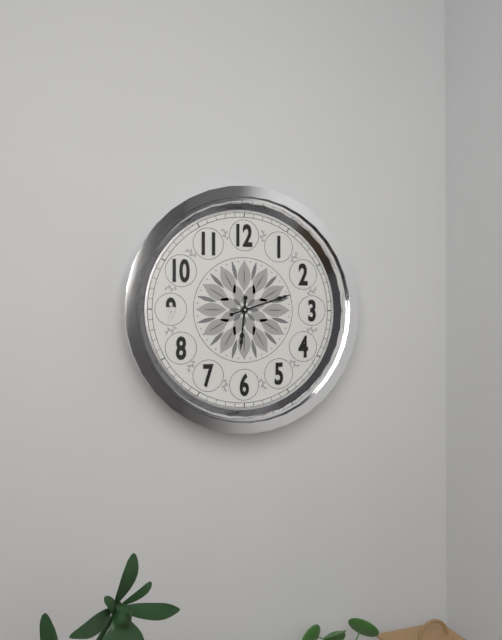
6:12
